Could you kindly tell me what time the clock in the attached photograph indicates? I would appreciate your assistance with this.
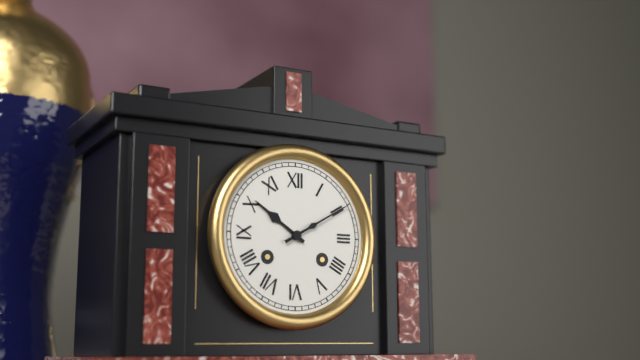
10:10
